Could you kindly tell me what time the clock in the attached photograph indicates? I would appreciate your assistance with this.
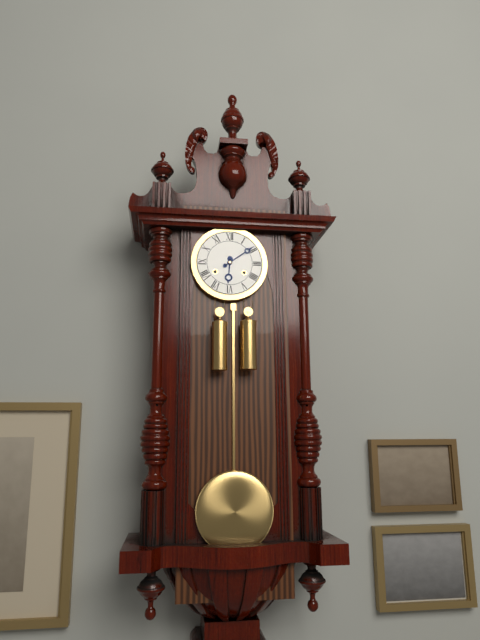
6:09
